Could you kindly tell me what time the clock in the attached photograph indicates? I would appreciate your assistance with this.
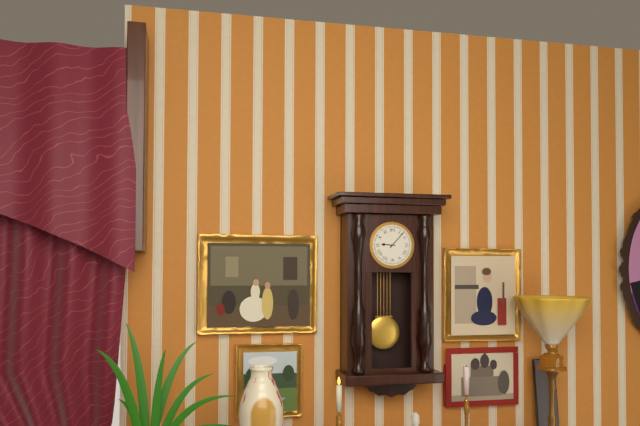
9:07
